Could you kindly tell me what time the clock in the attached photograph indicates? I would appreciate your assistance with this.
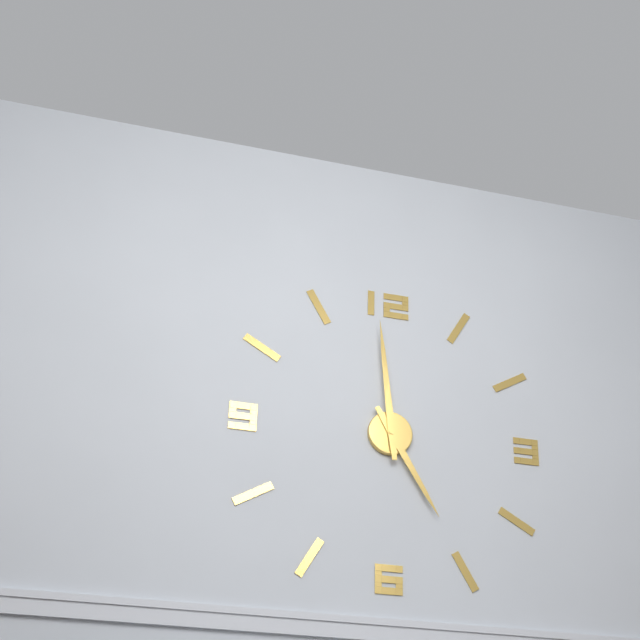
4:59
